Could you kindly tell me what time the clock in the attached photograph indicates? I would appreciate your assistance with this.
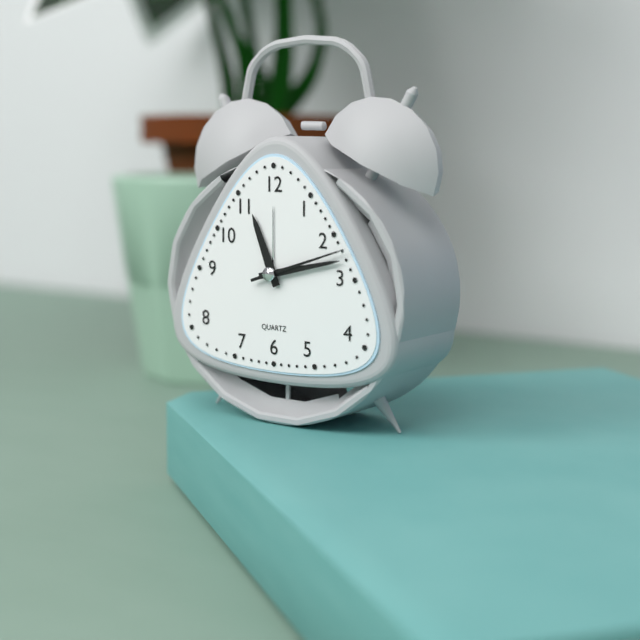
11:13:12
